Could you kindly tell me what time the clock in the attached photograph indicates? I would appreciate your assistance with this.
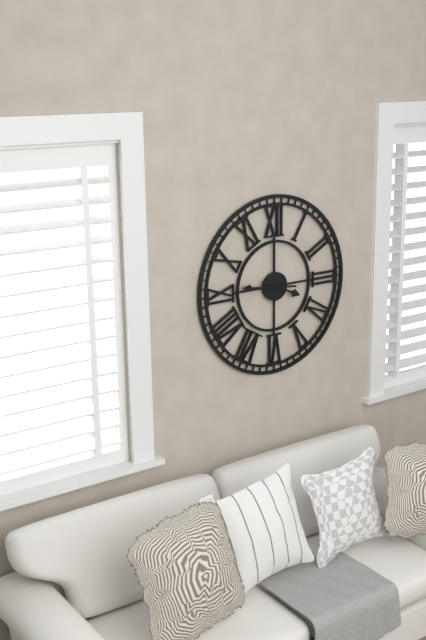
3:46
